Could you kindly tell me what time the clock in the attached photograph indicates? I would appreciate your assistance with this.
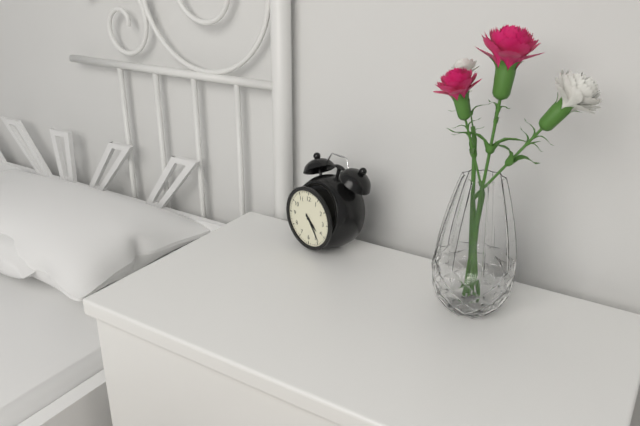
4:24
